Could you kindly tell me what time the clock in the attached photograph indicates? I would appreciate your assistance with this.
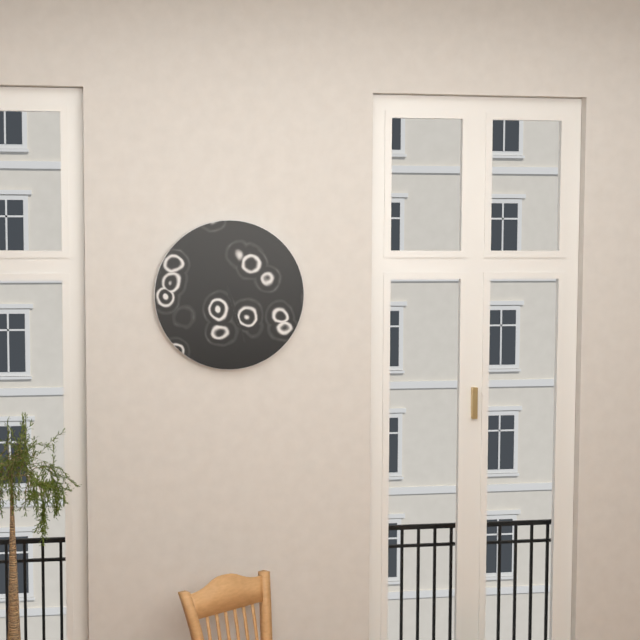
5:27
